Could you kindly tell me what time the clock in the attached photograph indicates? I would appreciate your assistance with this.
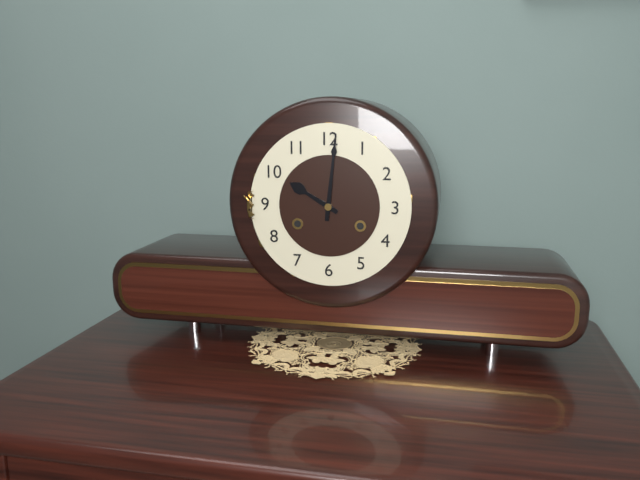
10:01
